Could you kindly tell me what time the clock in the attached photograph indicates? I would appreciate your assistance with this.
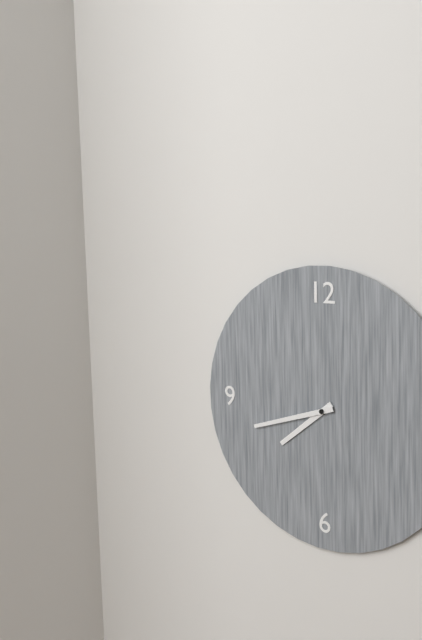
7:42
